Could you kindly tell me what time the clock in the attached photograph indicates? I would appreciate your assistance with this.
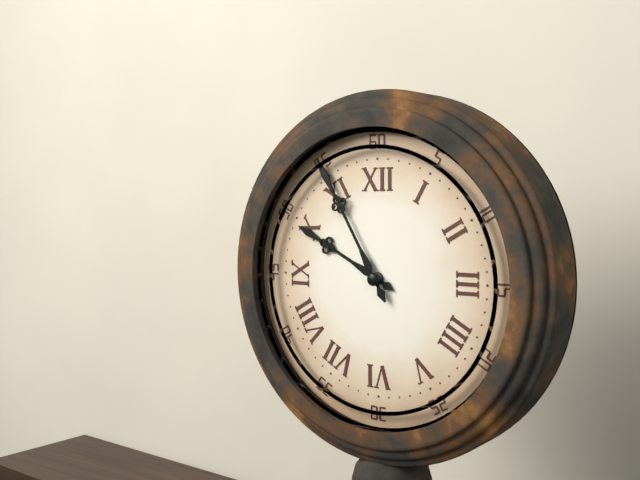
9:55
